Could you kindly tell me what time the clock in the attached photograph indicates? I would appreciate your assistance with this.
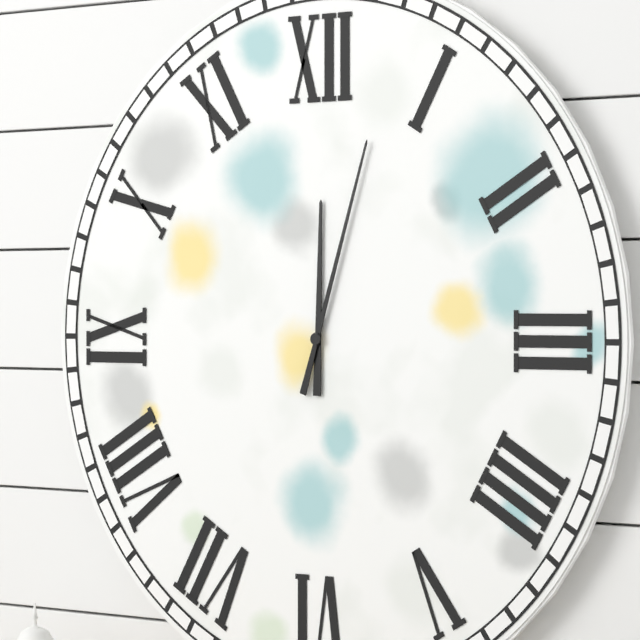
12:03
